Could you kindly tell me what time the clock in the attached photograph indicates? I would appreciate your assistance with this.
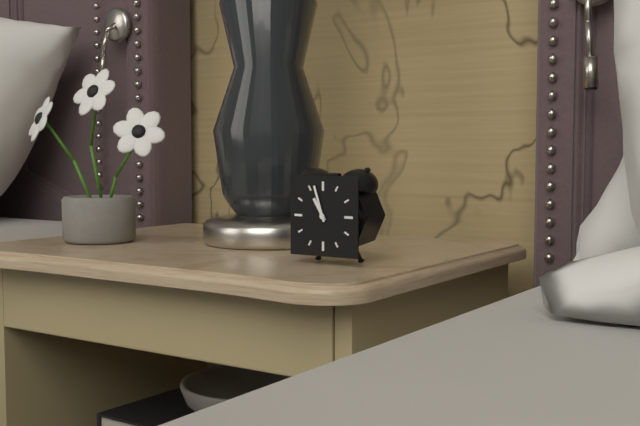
10:57
